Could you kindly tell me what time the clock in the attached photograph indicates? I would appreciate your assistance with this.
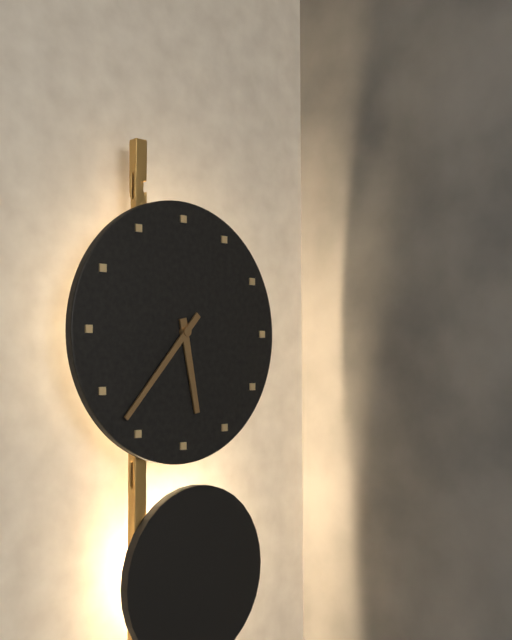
5:37
